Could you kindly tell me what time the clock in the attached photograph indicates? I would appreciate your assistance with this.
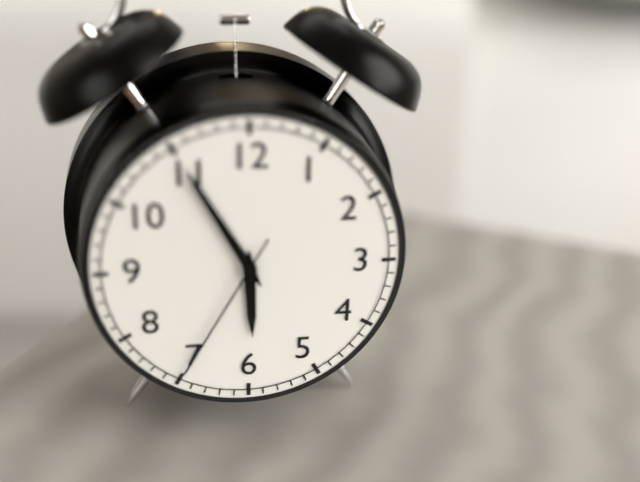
5:55:35
